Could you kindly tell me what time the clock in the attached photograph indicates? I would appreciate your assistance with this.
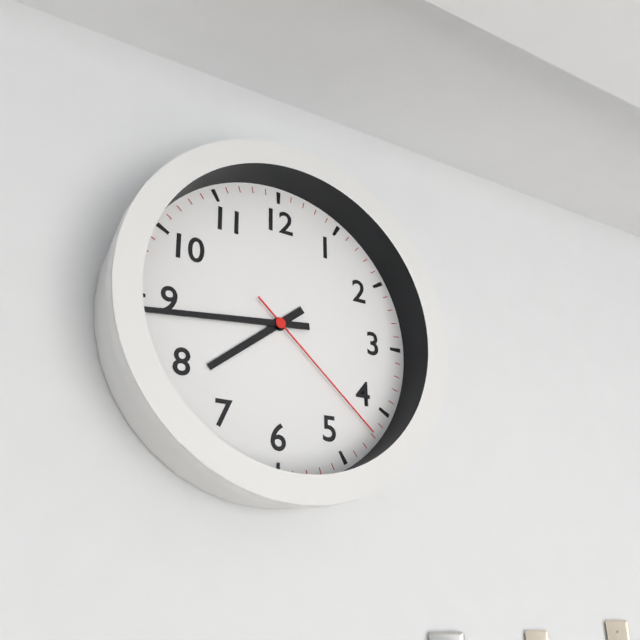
7:44:22
